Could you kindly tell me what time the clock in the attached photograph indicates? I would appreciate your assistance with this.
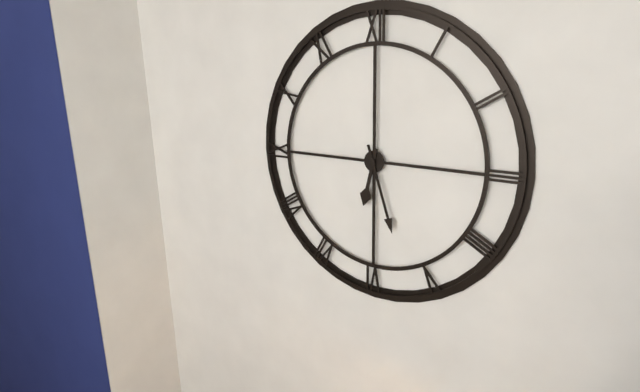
6:27
